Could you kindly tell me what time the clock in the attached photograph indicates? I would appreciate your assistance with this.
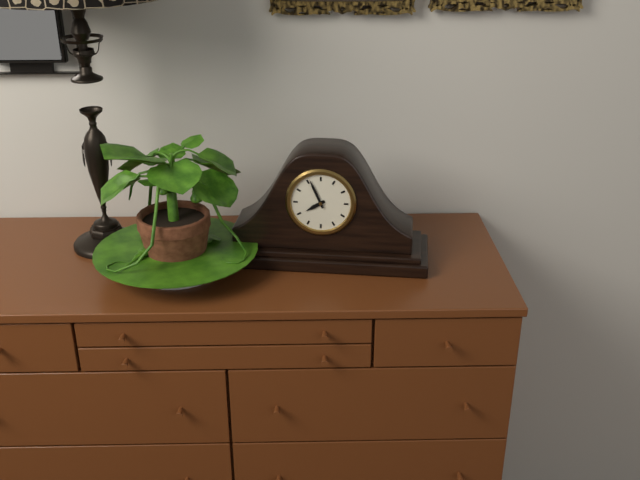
7:56
